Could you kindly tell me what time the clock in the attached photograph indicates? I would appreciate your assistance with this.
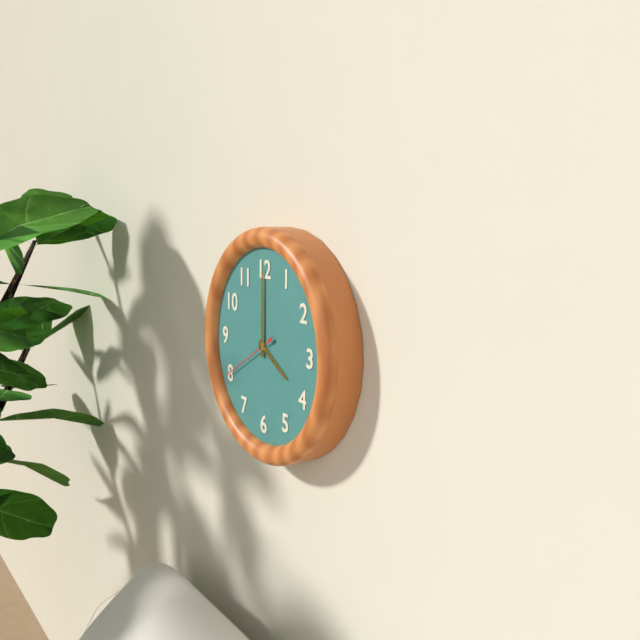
4:00:40
